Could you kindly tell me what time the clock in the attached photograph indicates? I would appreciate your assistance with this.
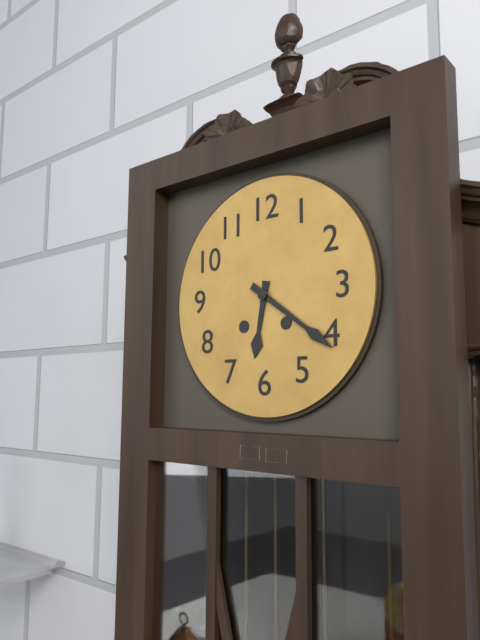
6:21
